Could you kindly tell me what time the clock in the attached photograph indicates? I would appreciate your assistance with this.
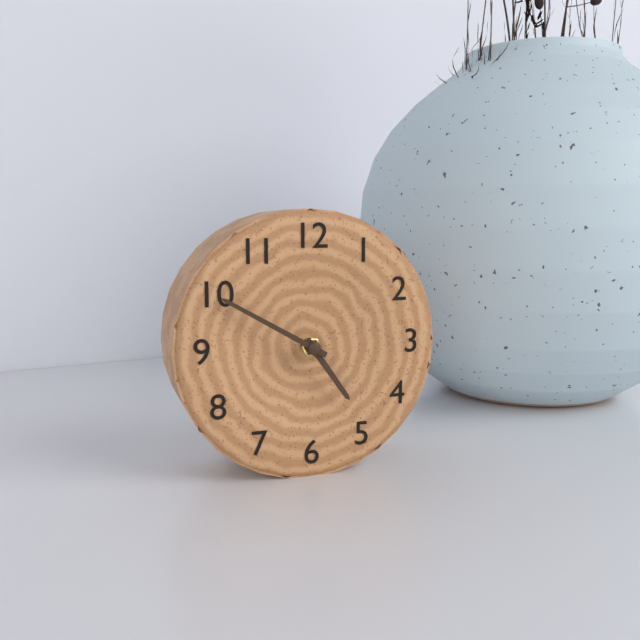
4:50
